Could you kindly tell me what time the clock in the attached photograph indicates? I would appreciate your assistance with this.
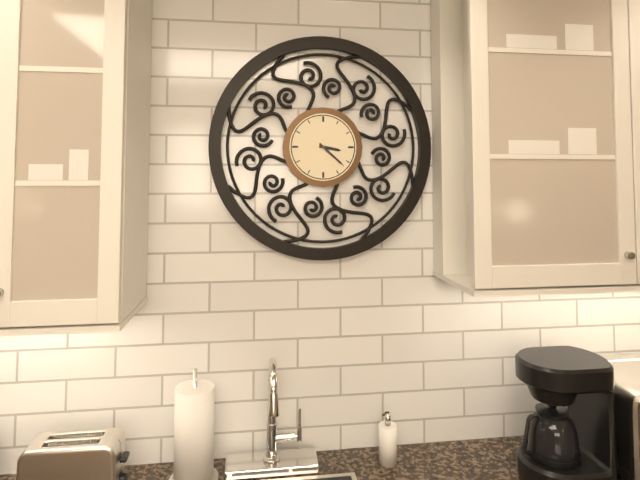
3:22
